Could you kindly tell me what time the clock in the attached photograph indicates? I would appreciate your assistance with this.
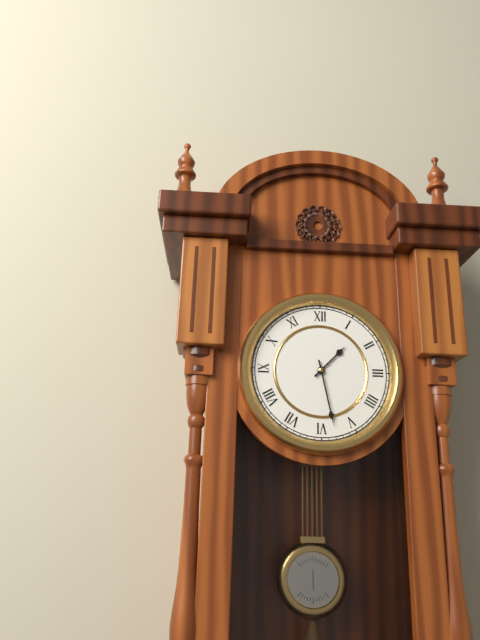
1:28
